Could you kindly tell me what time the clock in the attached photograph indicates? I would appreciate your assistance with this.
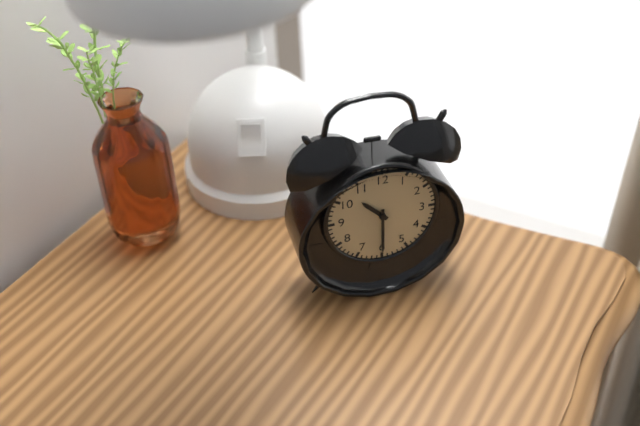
10:30
